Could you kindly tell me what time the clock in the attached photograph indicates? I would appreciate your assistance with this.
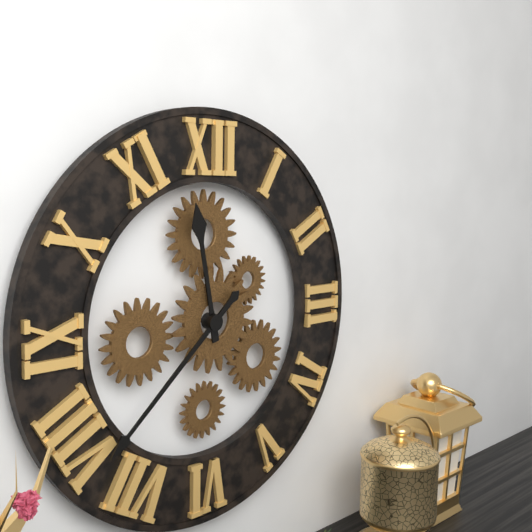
11:38
